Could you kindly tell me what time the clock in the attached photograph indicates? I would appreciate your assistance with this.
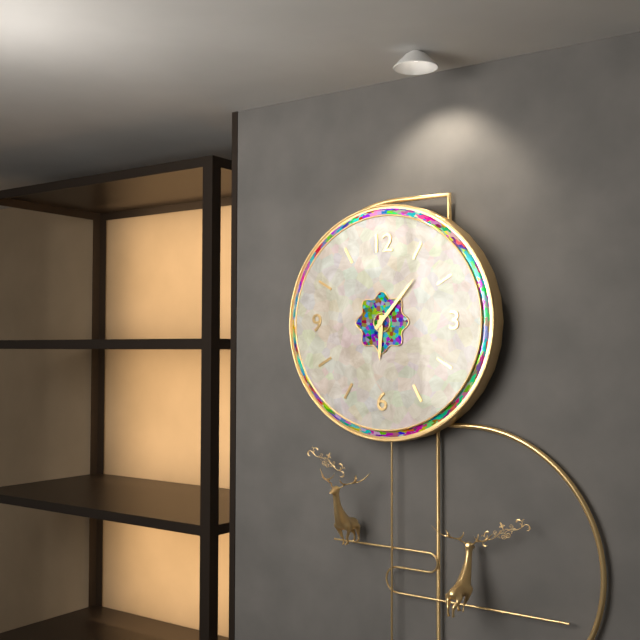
6:07
